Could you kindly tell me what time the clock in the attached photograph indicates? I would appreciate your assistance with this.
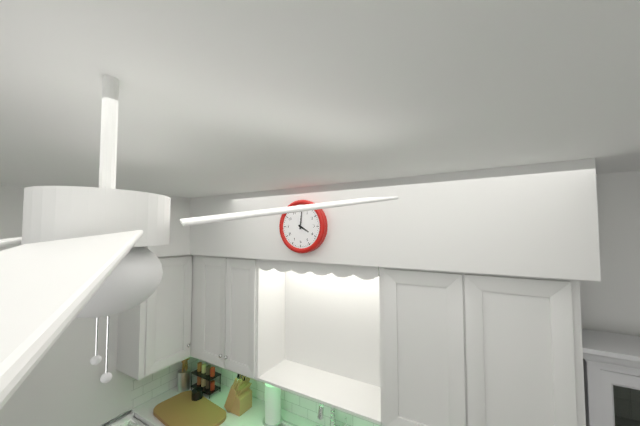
4:01
